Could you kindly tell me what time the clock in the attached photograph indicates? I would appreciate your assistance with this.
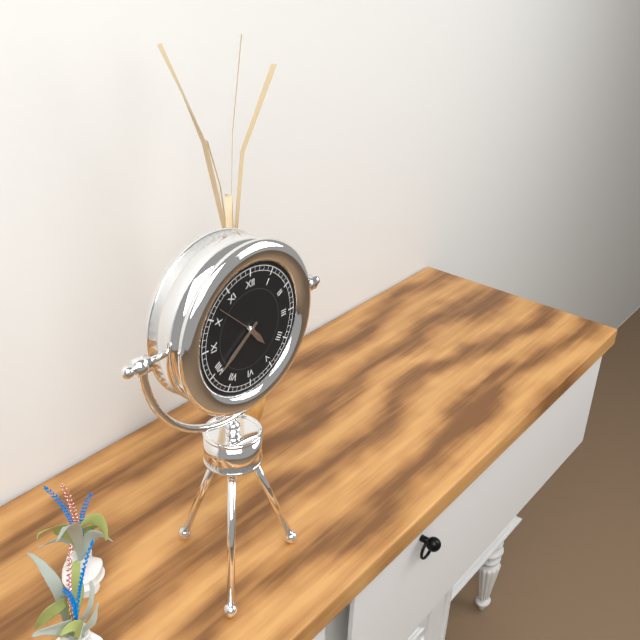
4:39
